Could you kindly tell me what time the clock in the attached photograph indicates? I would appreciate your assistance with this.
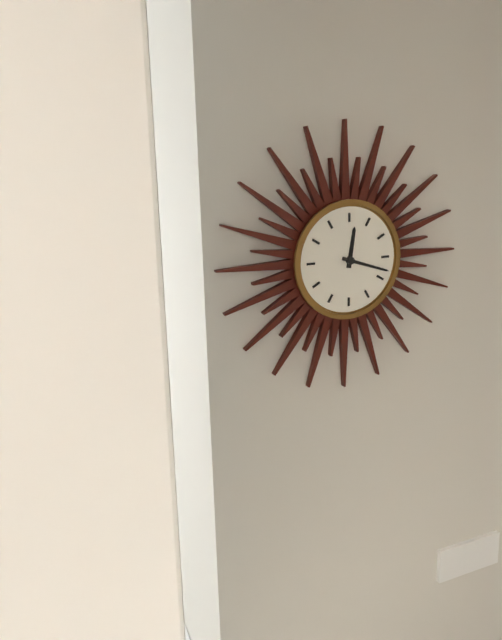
12:18
